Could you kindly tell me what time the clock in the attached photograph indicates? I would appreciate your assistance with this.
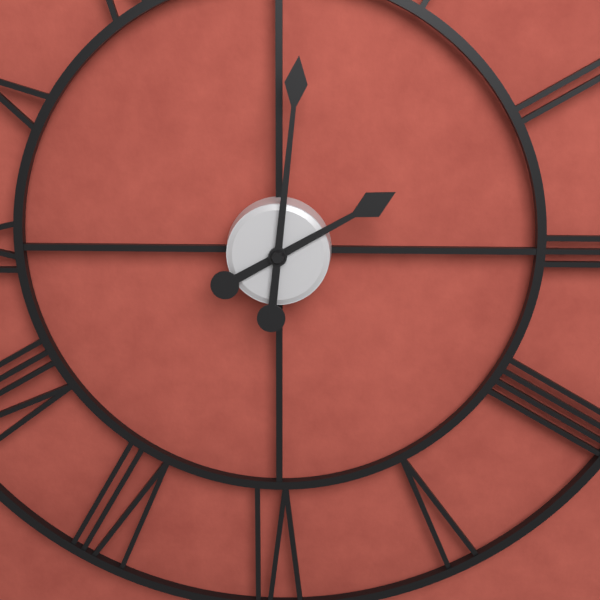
2:01
